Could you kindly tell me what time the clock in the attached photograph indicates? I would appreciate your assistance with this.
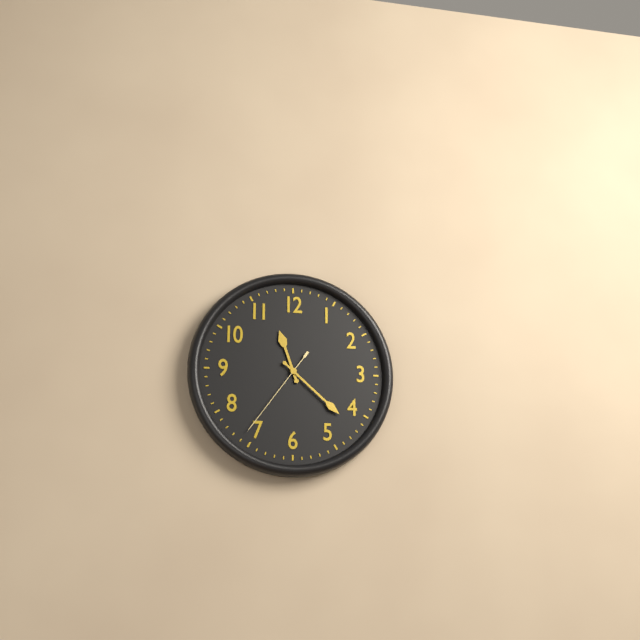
11:22:36
